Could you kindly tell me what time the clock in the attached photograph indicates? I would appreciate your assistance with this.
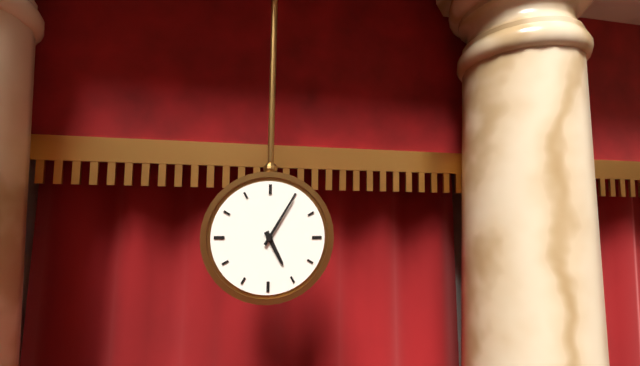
5:05
